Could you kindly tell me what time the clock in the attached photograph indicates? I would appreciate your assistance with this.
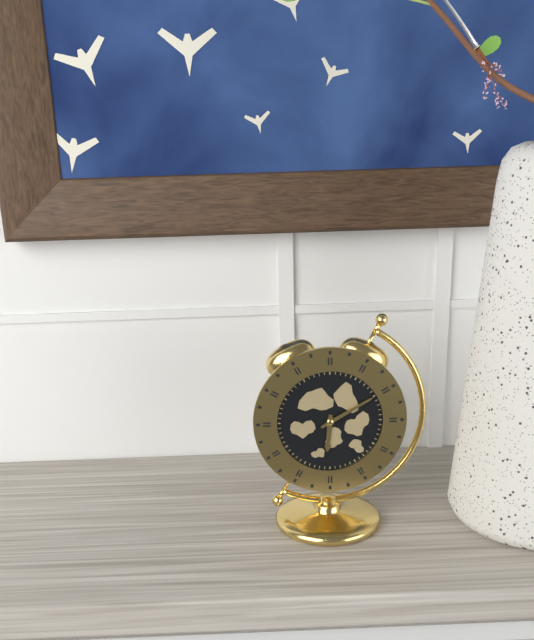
6:10
